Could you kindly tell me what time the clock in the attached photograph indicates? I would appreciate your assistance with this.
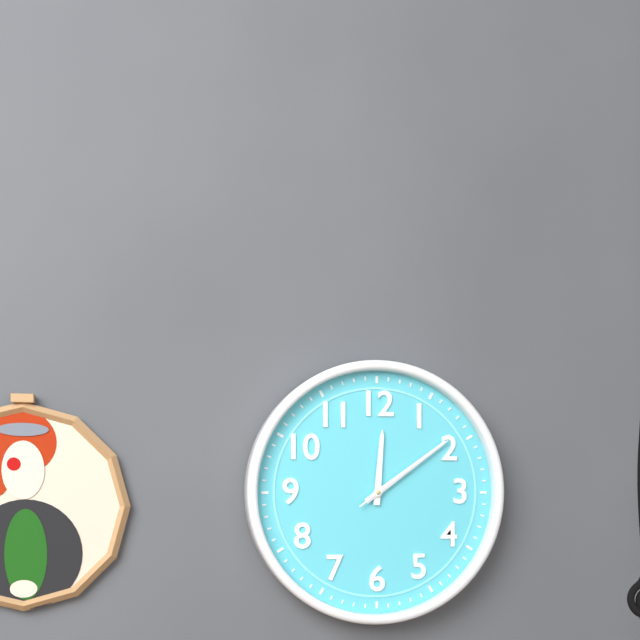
12:09:09
